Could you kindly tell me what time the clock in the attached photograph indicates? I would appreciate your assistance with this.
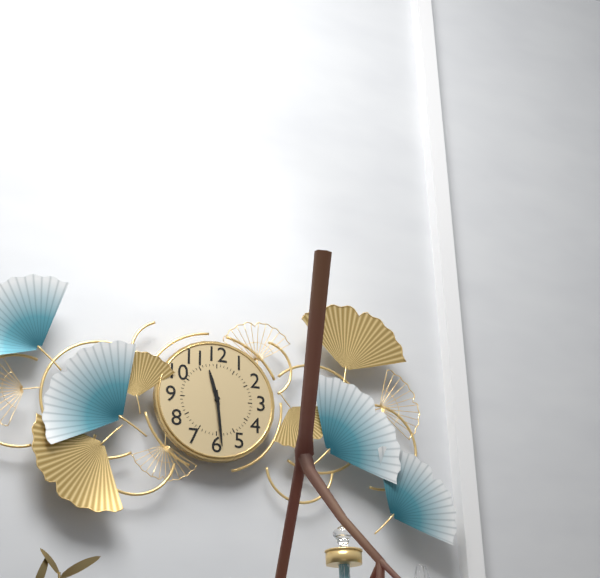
11:29
